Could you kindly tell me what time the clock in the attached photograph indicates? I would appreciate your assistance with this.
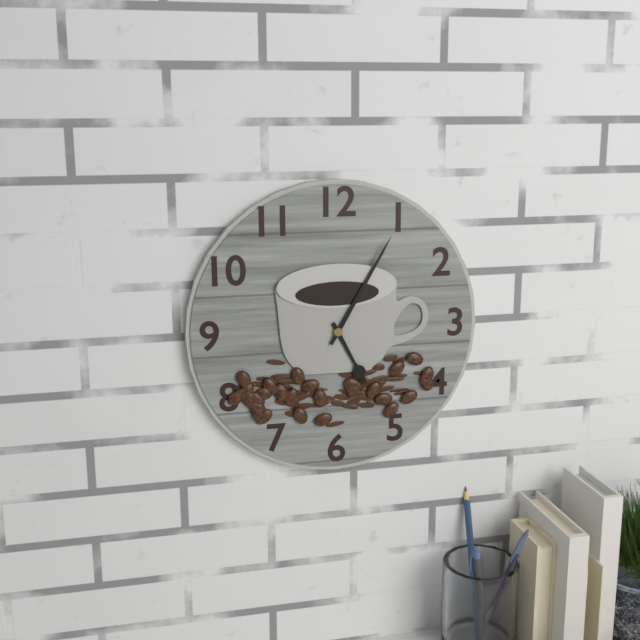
5:05
